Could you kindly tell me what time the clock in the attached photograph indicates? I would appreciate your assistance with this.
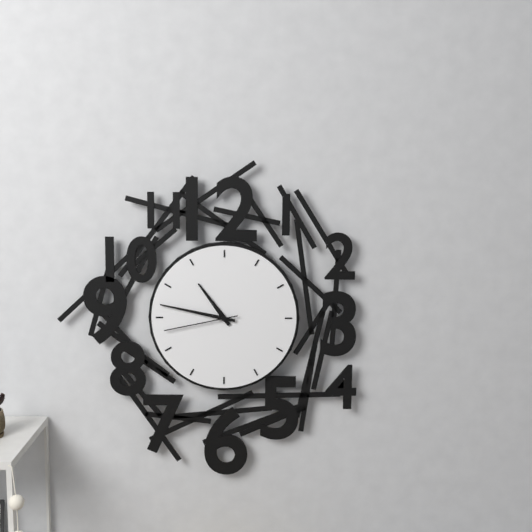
10:47:43
